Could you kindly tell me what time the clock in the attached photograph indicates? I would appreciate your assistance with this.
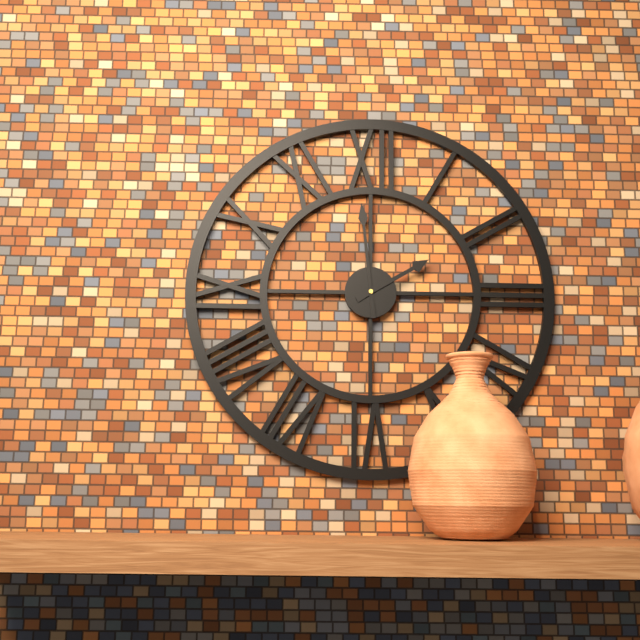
1:59
